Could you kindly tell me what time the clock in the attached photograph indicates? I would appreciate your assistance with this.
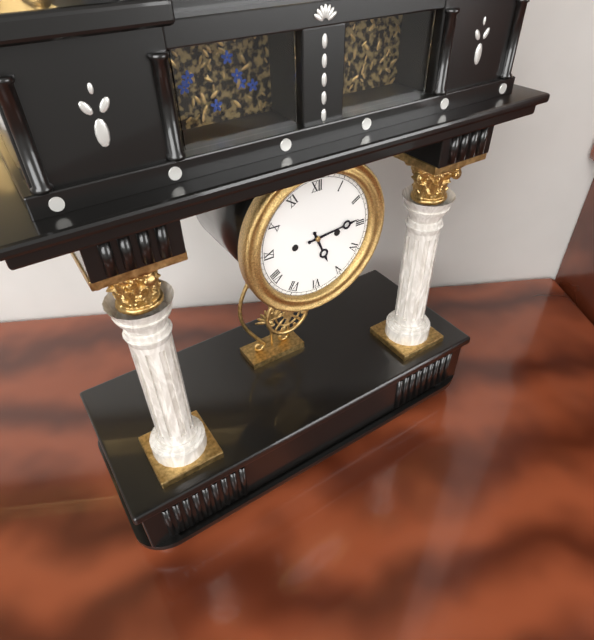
5:14
